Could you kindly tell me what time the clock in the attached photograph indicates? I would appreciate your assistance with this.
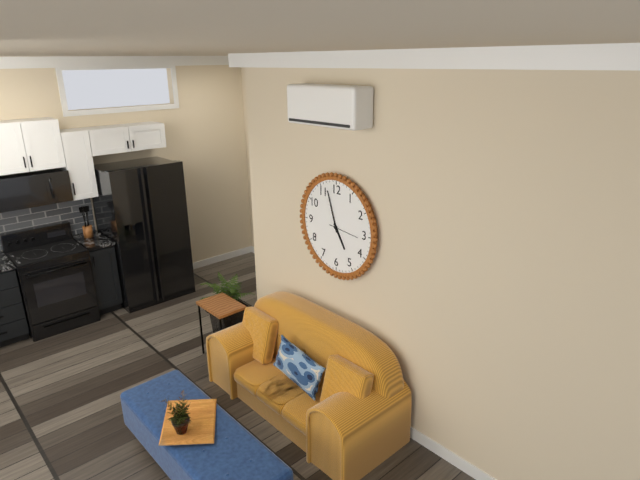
4:57
